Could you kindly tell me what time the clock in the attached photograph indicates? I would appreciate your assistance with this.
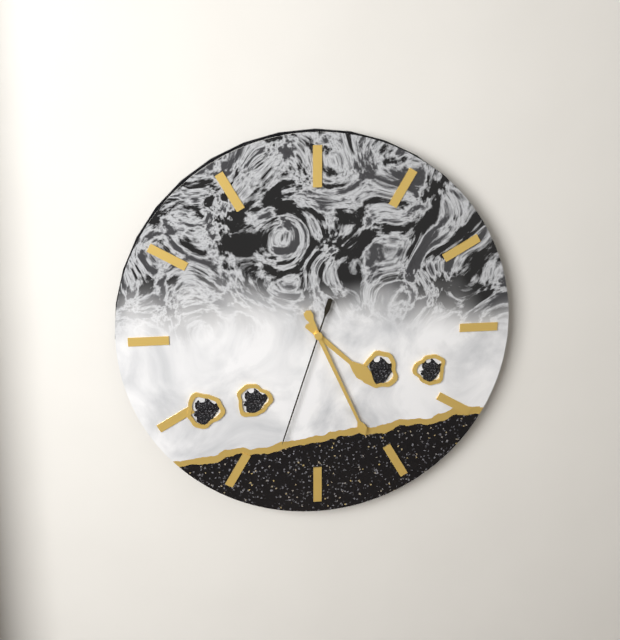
4:26:33
